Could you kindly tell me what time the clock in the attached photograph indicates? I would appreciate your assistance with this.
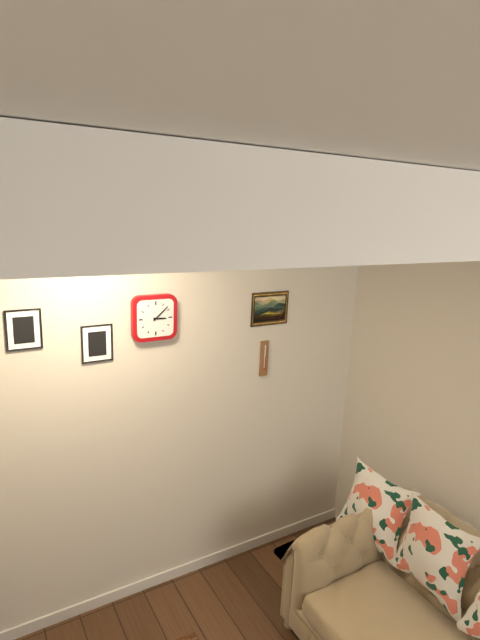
3:08
